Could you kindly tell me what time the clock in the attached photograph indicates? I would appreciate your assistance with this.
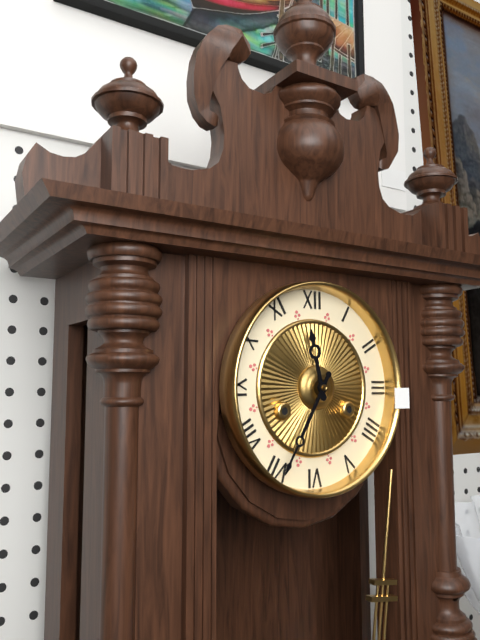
11:35
